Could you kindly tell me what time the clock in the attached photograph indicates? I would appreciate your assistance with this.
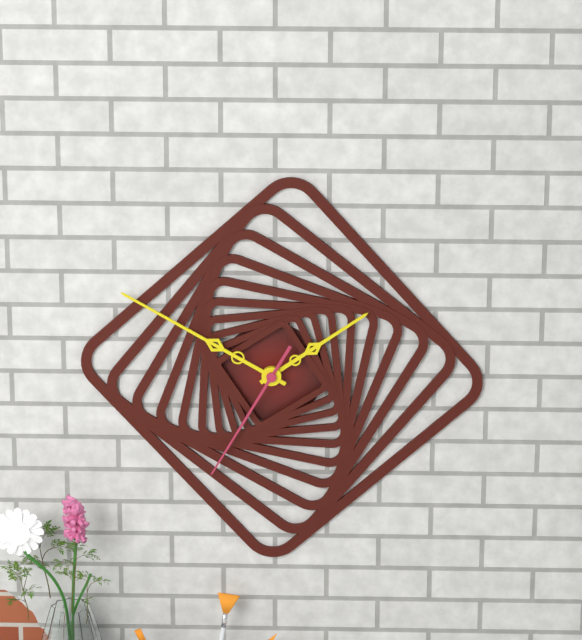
1:50:35
